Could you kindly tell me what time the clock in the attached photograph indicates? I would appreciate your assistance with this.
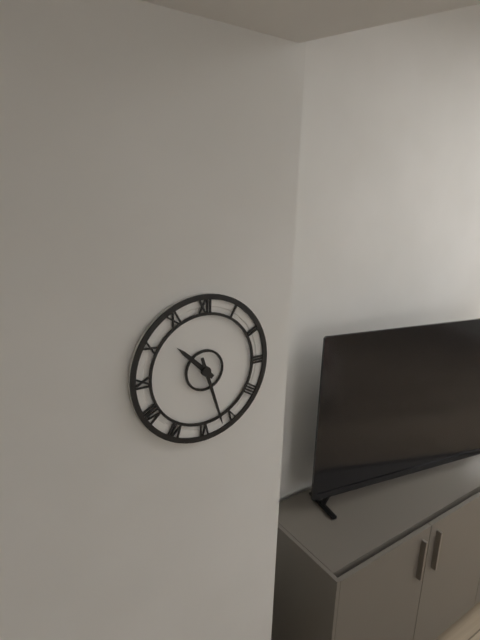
10:27
